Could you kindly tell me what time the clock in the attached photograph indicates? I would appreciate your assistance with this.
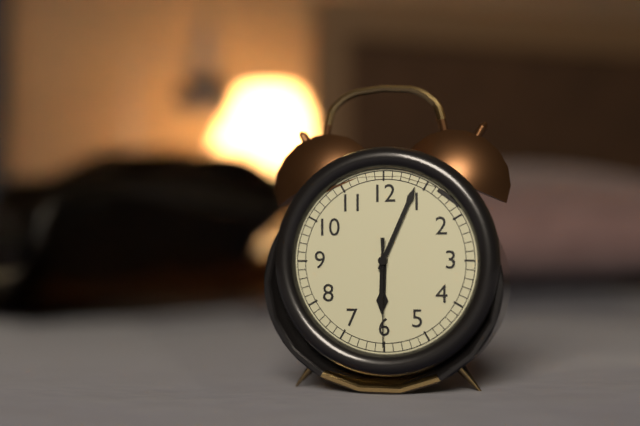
6:04:30
